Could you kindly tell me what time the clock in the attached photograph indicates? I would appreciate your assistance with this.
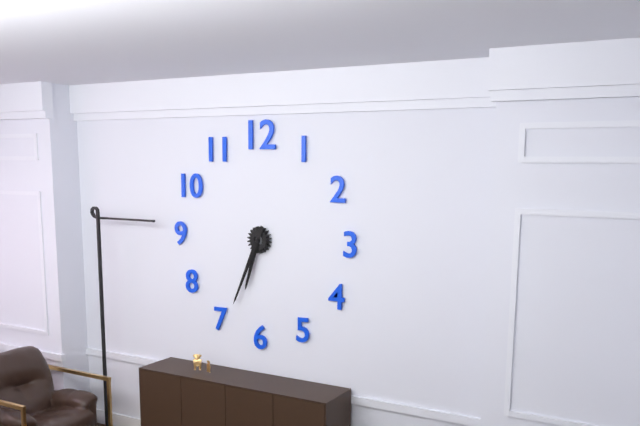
6:34
